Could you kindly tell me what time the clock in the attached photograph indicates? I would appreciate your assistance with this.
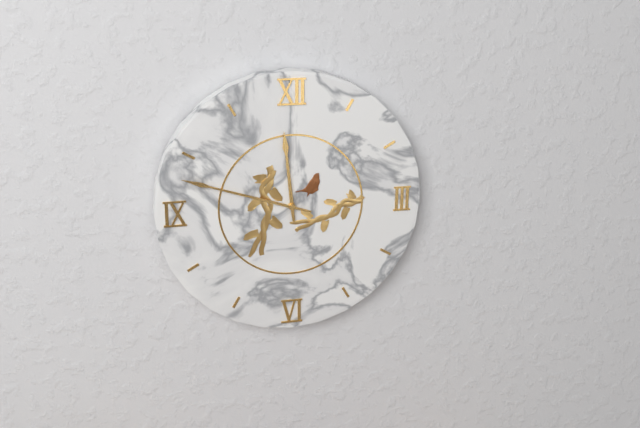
11:48
